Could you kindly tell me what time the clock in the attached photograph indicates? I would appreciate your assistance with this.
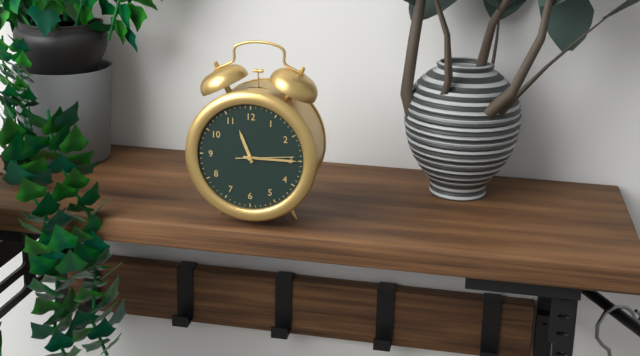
11:15:14
